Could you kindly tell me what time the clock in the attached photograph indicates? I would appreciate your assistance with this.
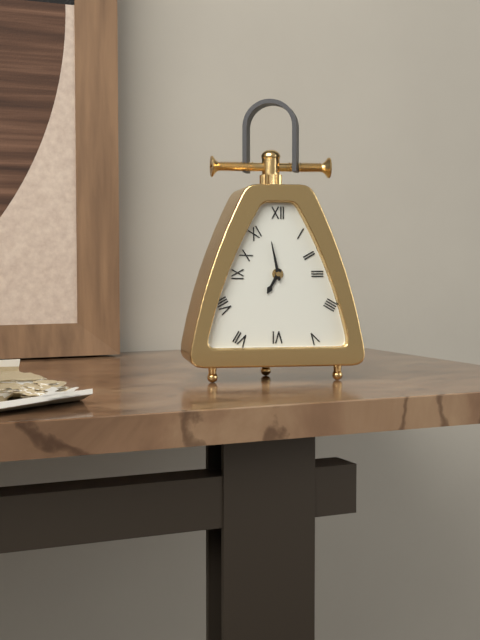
6:58
